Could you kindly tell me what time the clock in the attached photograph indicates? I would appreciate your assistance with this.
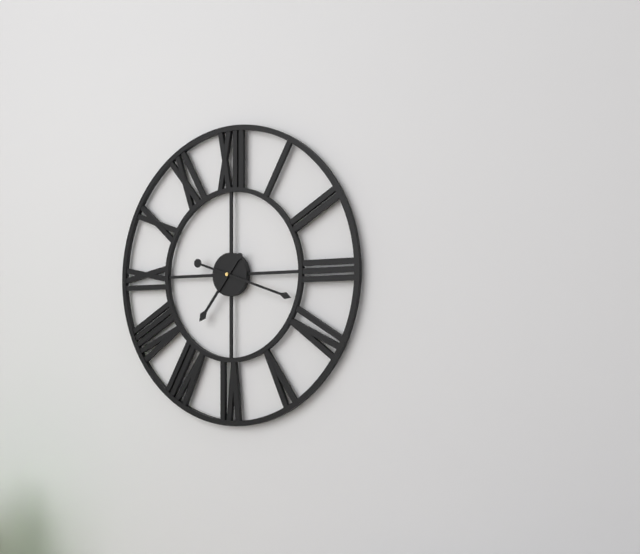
7:18
